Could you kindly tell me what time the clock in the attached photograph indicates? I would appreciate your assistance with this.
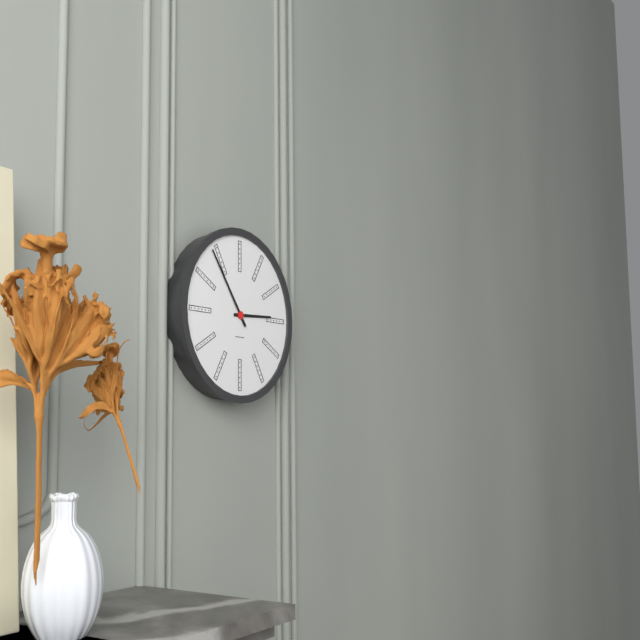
2:54
